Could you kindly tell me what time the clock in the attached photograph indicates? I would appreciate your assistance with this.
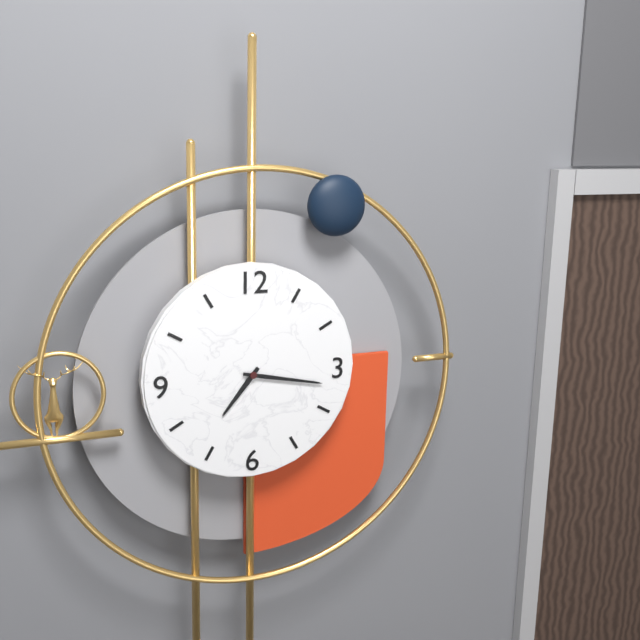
7:17
